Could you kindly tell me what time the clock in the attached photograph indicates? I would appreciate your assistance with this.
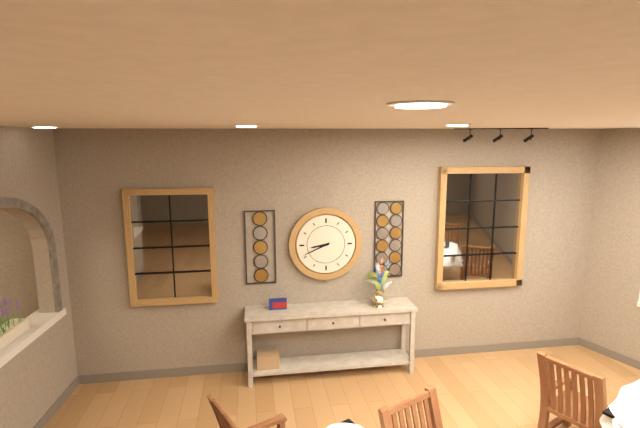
8:41
